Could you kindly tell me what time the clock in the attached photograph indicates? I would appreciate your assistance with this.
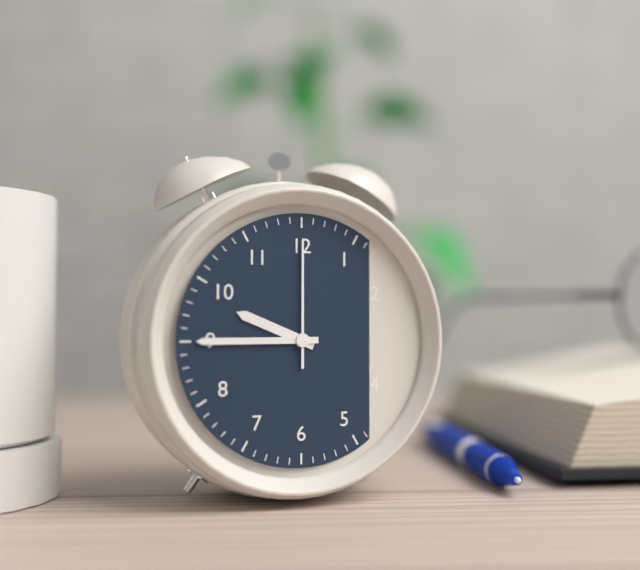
9:45:00
